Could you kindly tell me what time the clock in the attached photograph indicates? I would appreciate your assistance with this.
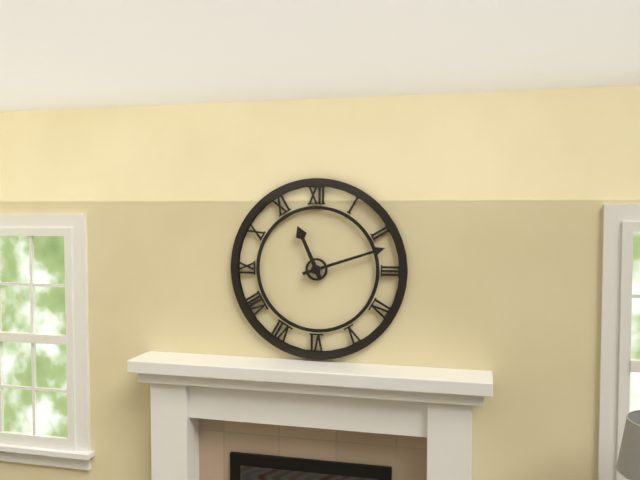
11:12
